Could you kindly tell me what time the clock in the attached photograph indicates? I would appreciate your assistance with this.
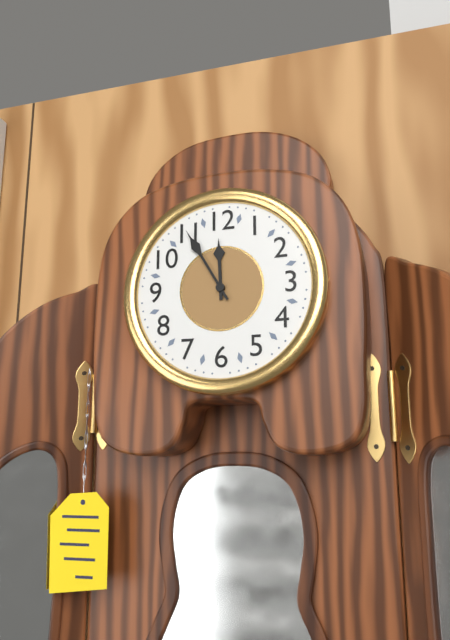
11:55
